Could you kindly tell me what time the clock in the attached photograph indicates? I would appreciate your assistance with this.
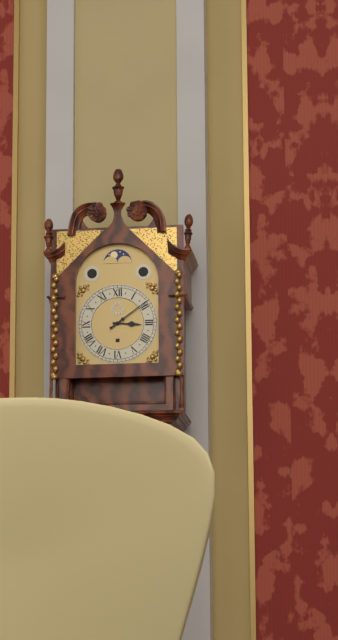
3:09
